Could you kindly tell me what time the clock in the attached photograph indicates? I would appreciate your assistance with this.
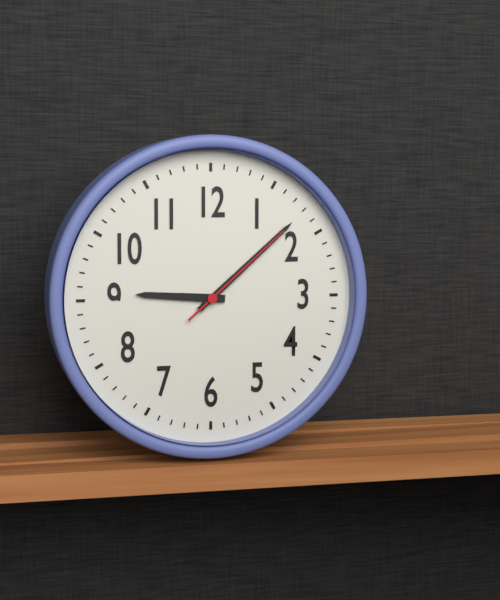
9:08:08
